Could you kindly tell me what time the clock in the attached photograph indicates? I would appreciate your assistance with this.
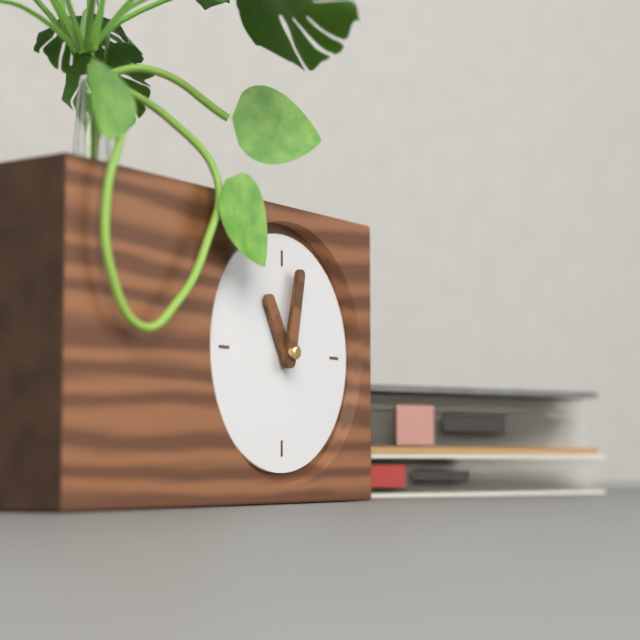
11:02
